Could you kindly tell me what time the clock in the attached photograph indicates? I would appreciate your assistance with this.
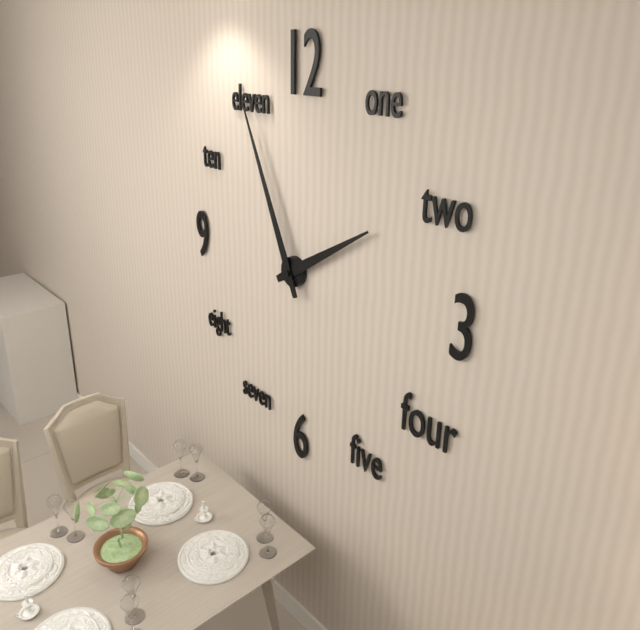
1:56
